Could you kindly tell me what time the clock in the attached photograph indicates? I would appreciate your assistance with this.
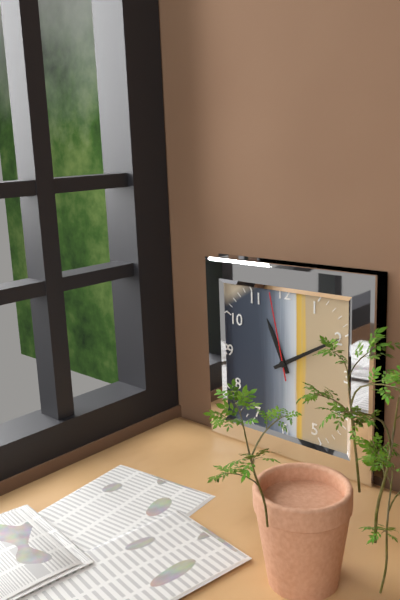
11:10:58
